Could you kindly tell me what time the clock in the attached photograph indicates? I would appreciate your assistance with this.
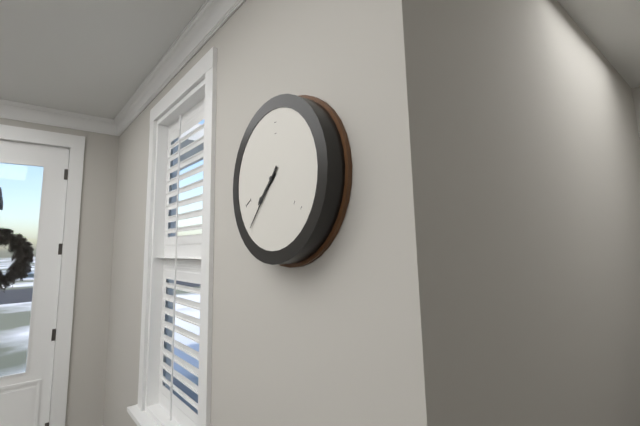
7:37
